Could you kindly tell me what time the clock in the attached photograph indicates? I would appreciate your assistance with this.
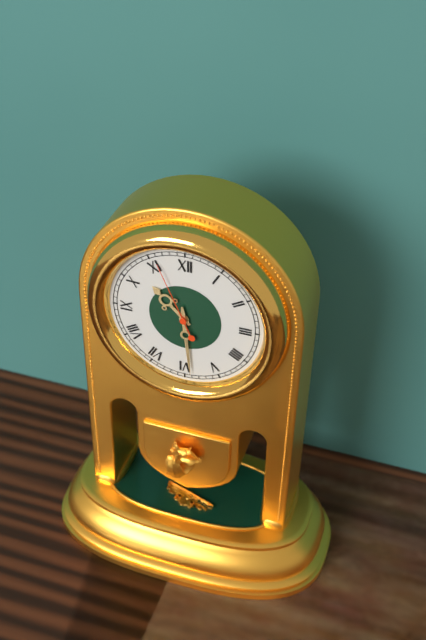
10:29:56
